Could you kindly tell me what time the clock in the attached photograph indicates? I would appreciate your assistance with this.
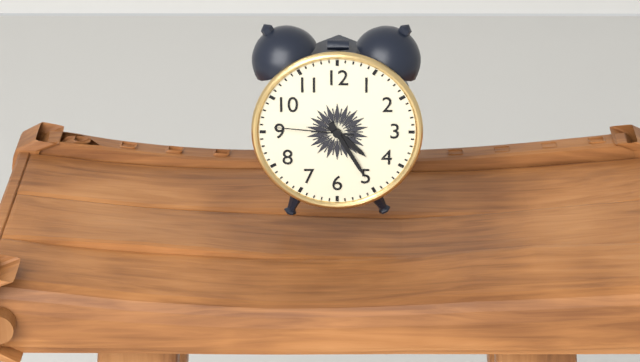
4:25:46
